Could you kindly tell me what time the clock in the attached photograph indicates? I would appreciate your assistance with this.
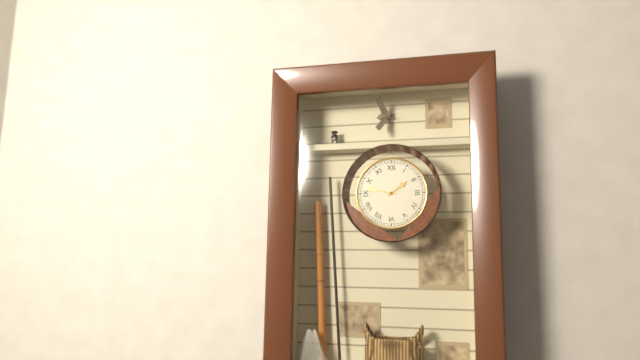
1:47
